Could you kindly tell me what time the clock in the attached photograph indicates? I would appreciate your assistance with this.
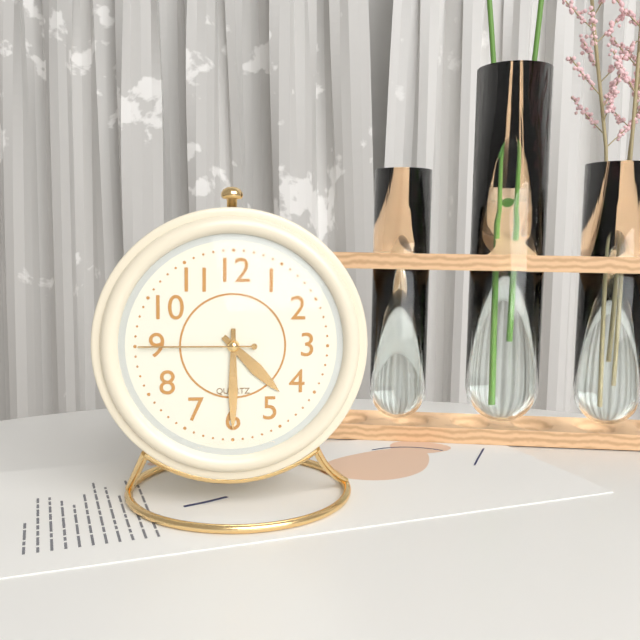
4:30:45
